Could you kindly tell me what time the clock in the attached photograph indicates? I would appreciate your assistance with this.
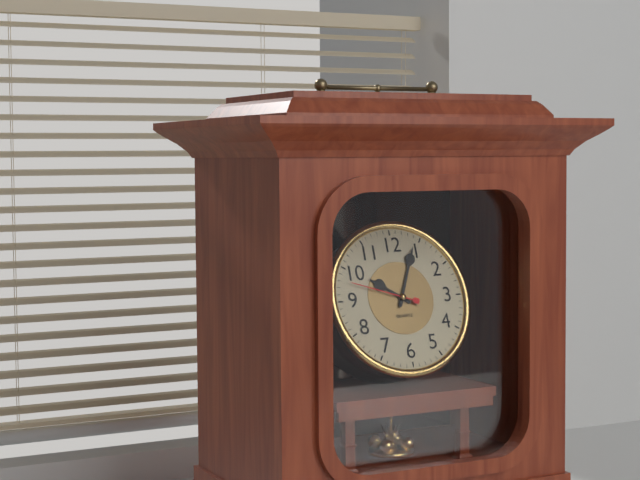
10:04:48
